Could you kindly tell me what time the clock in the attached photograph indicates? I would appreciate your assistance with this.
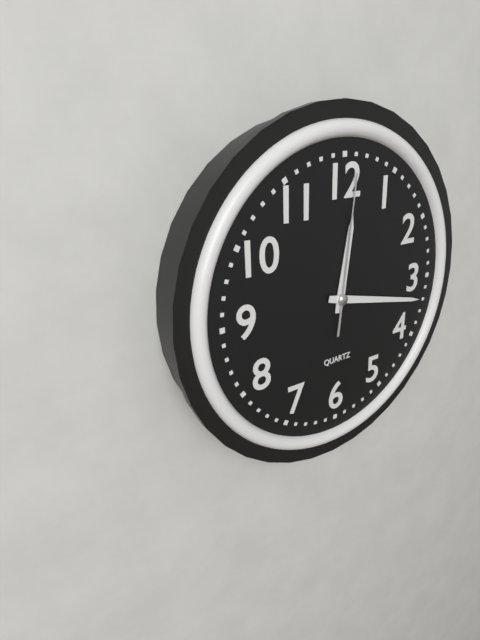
12:17:01
